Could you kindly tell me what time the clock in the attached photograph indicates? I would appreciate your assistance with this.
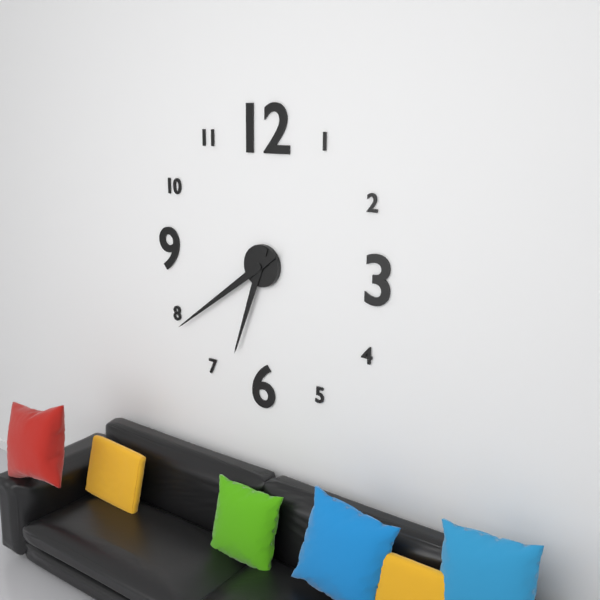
6:39
